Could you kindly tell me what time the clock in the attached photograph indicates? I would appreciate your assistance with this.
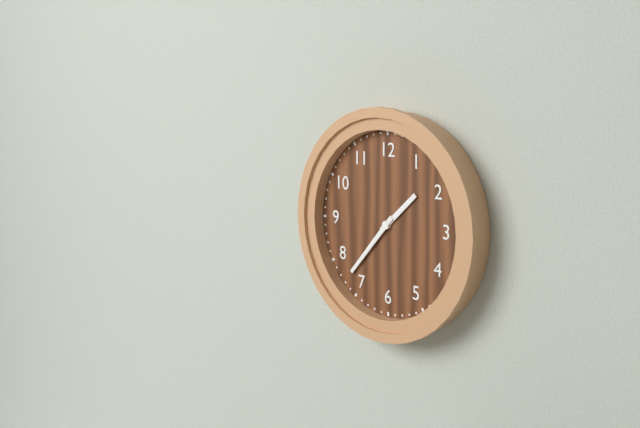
1:37
